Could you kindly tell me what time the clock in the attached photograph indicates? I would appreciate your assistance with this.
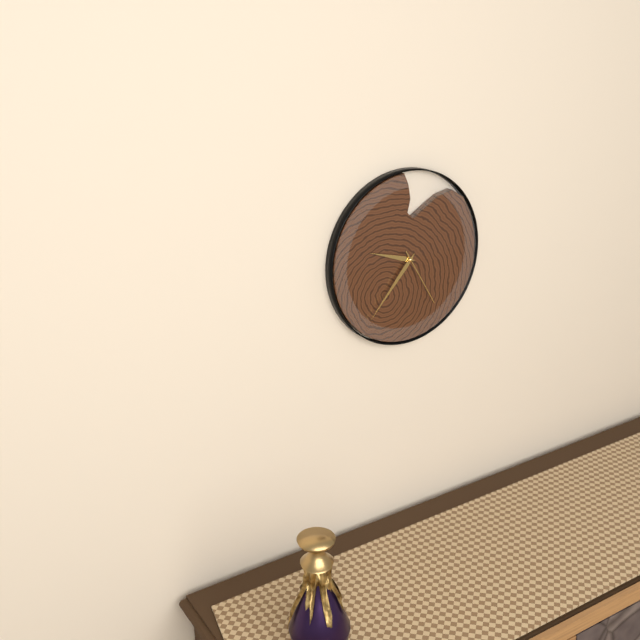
9:37:25
